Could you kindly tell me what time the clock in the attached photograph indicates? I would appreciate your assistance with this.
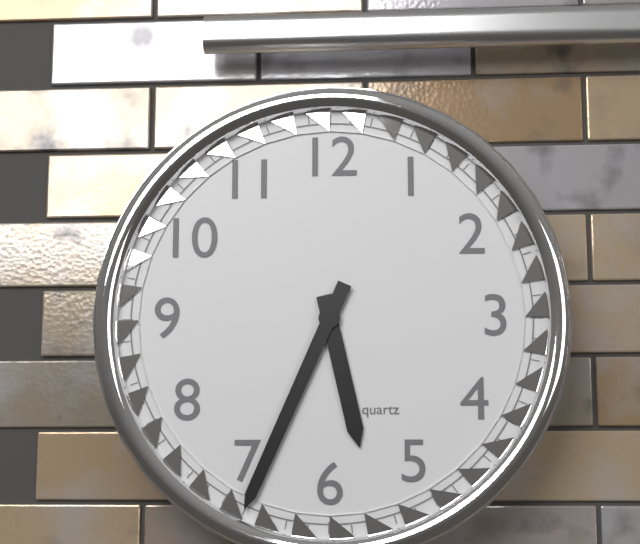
5:34
